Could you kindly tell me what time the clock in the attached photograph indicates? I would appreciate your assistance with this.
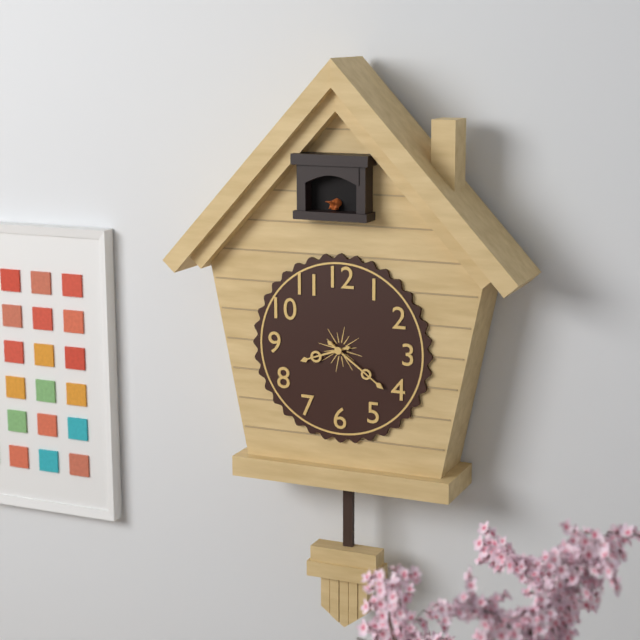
8:21
